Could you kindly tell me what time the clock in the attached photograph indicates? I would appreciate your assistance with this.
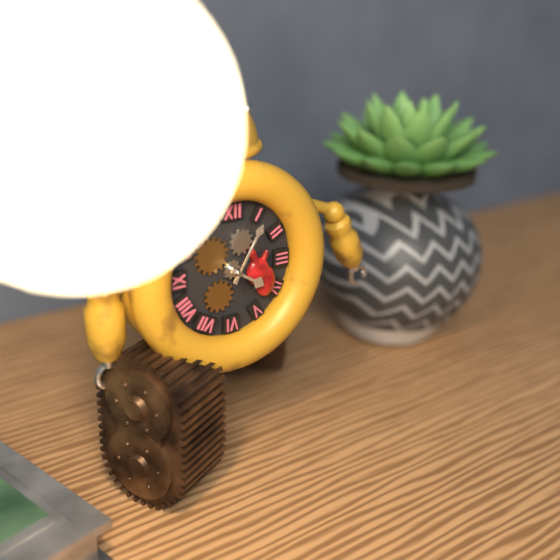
4:05
